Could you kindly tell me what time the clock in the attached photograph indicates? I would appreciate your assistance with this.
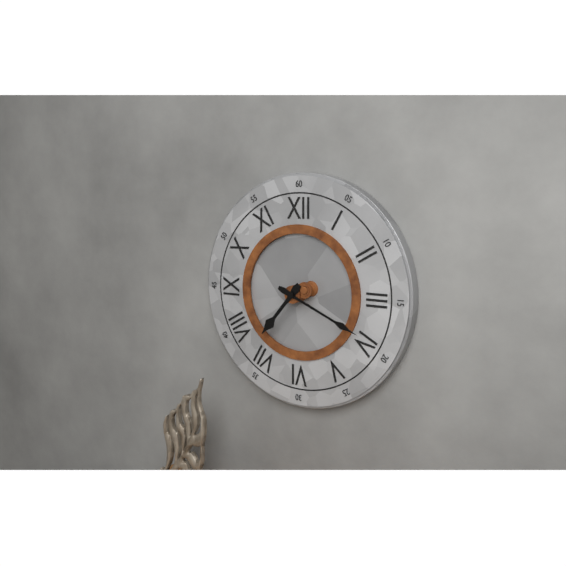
7:19
